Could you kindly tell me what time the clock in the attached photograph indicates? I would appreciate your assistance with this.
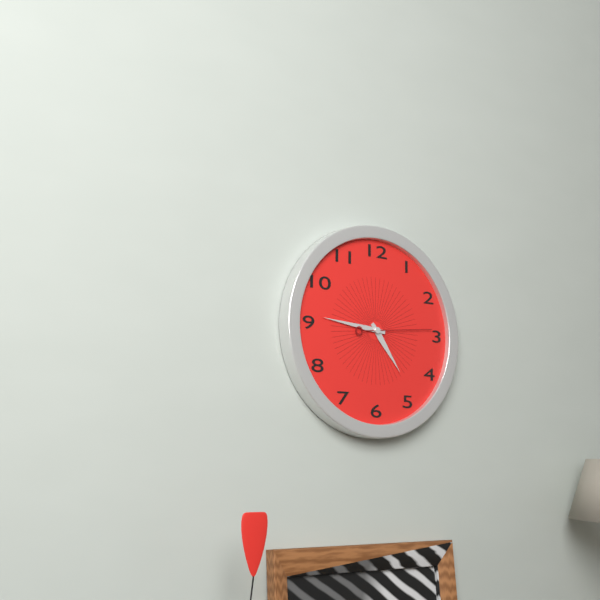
4:46:14
